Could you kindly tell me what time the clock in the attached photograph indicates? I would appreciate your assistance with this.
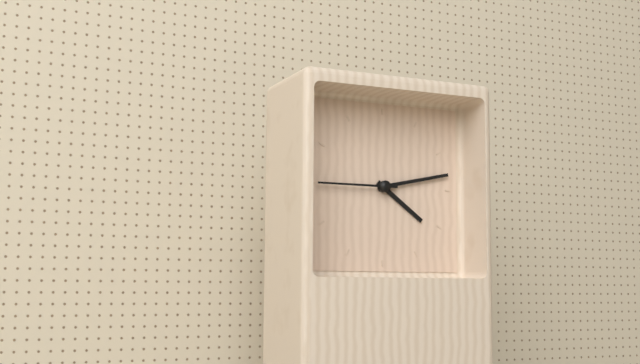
4:13:45
